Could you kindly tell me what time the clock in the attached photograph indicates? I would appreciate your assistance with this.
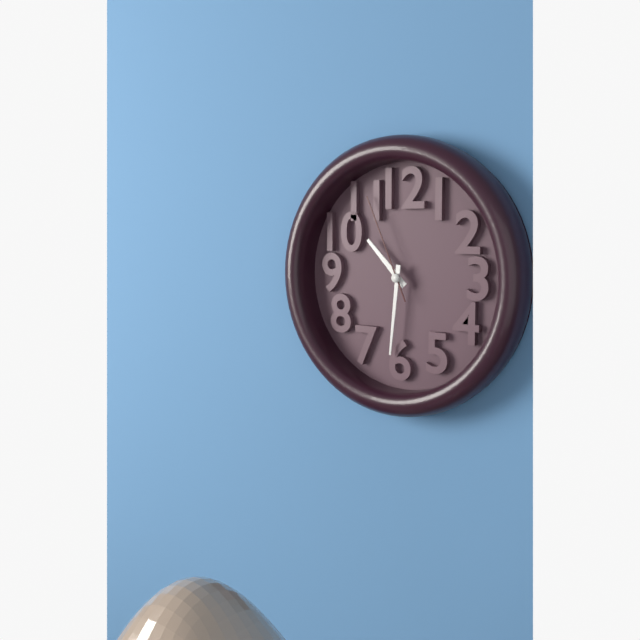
10:31:56
